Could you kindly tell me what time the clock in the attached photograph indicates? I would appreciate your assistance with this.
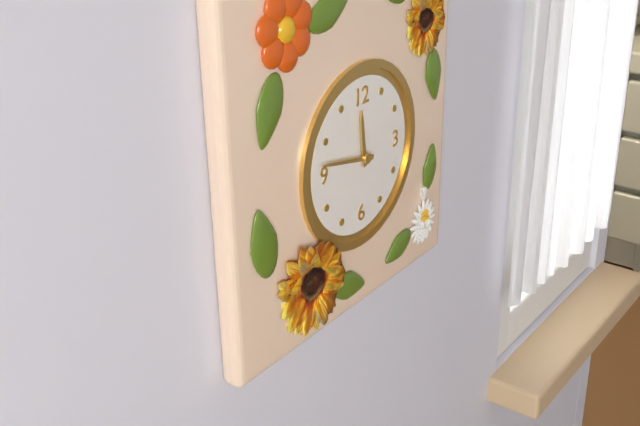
11:47
